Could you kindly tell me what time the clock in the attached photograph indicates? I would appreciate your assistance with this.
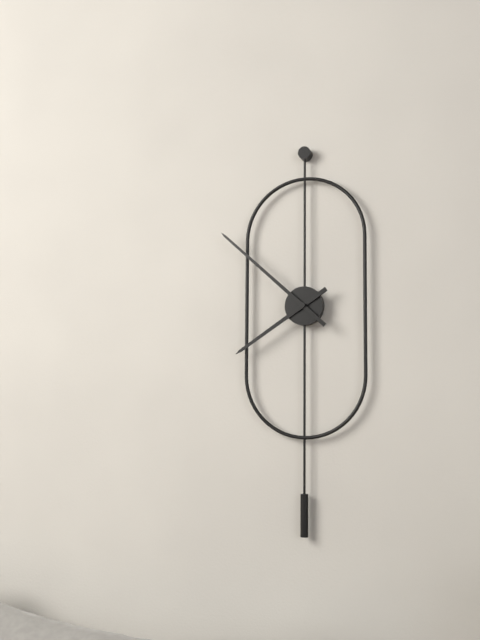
7:52
